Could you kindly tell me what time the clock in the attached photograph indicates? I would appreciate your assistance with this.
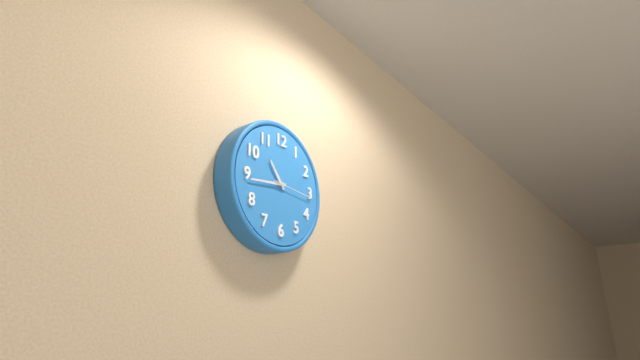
10:44
